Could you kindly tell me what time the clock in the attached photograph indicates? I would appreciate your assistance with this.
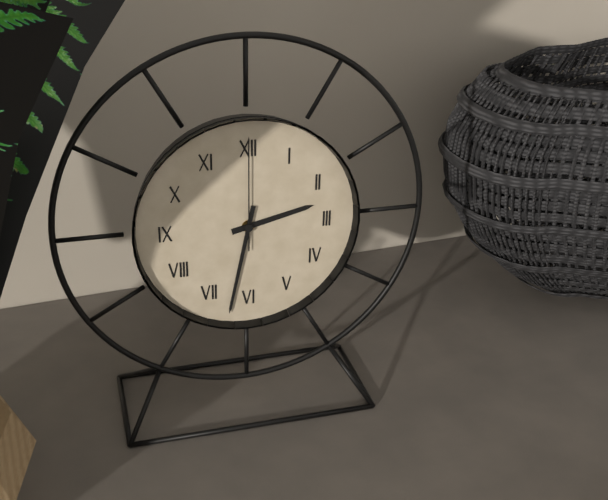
2:32:00
